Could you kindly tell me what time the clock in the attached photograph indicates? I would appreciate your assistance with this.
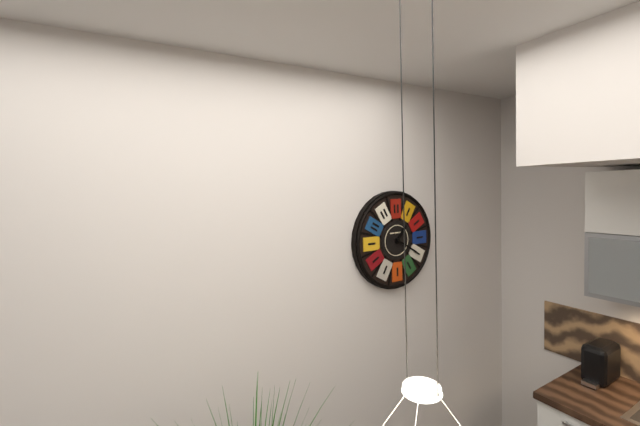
1:20
